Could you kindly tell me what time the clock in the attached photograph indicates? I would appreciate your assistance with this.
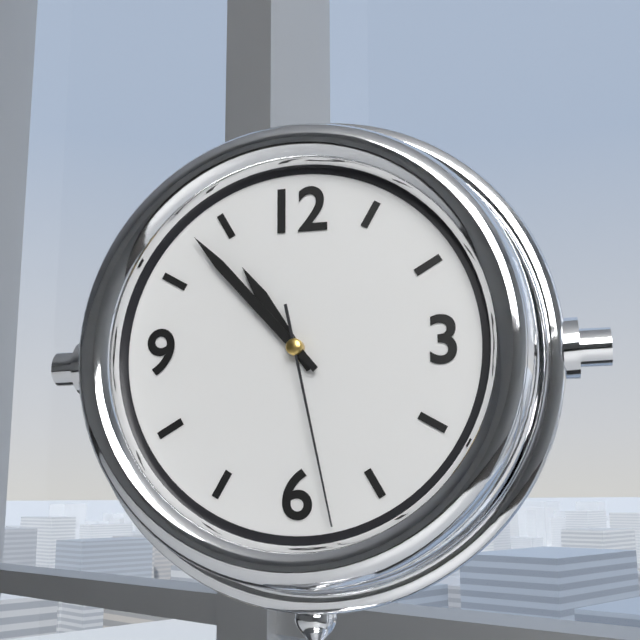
10:53:28
